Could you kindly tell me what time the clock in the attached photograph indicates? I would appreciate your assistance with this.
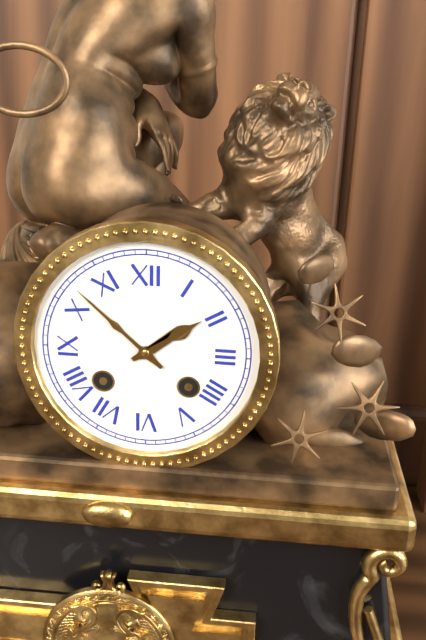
1:52
